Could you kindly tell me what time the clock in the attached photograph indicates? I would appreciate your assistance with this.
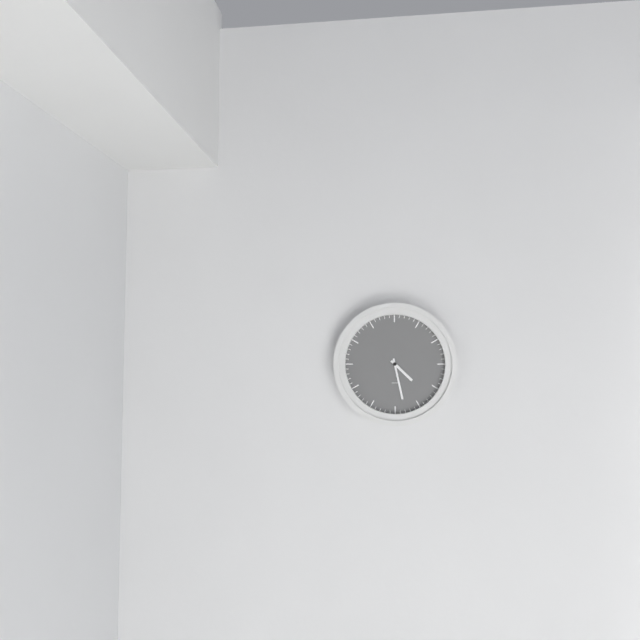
4:28
